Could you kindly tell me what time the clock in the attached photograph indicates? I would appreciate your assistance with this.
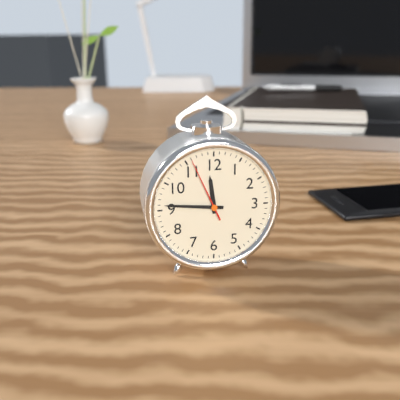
11:46:56
